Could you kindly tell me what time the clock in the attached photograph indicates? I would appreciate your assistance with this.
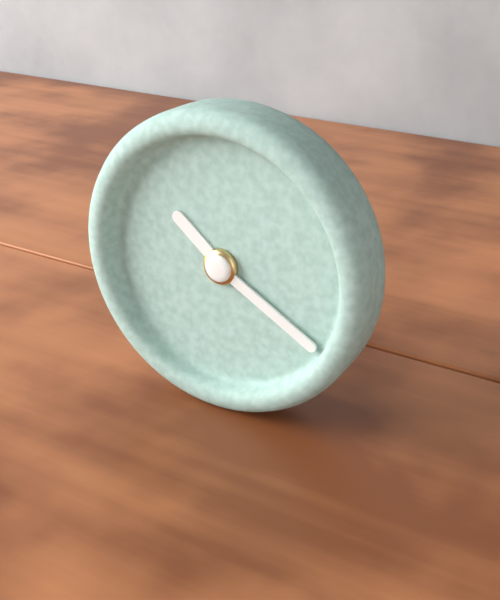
10:20
